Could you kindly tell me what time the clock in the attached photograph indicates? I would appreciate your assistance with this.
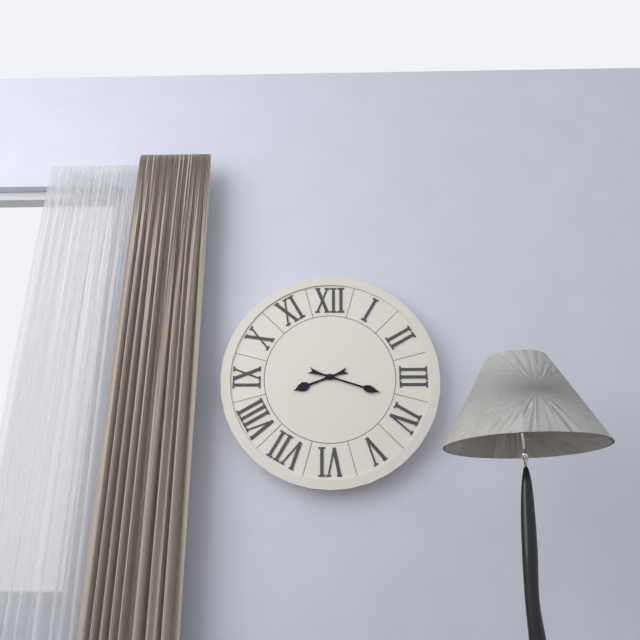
8:18
